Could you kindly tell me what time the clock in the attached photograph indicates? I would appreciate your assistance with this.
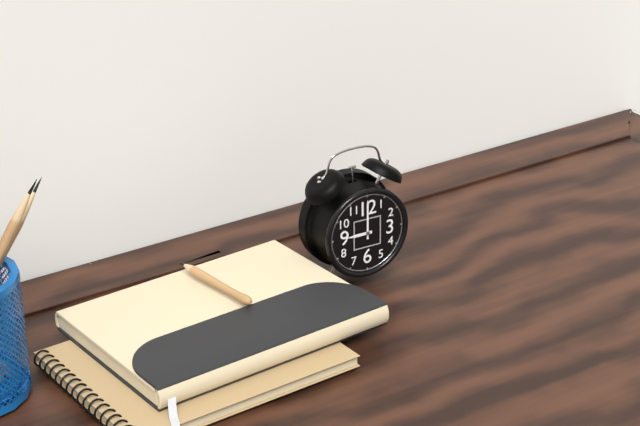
9:00
